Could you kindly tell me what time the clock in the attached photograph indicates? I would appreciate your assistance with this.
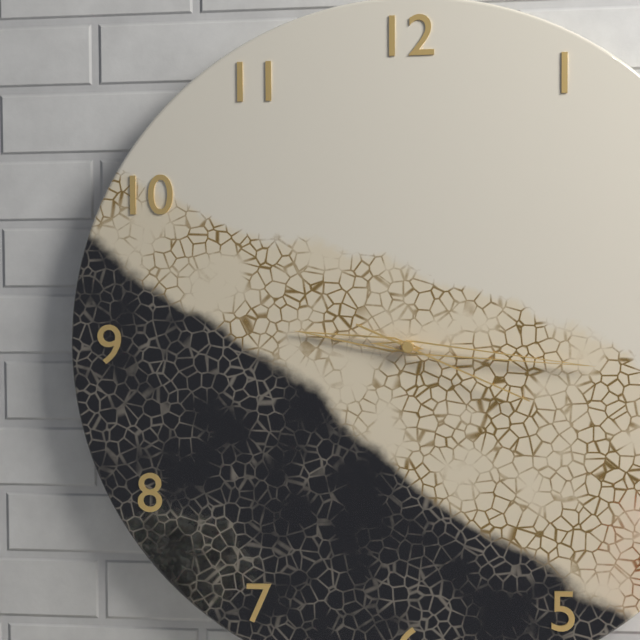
9:16:19
